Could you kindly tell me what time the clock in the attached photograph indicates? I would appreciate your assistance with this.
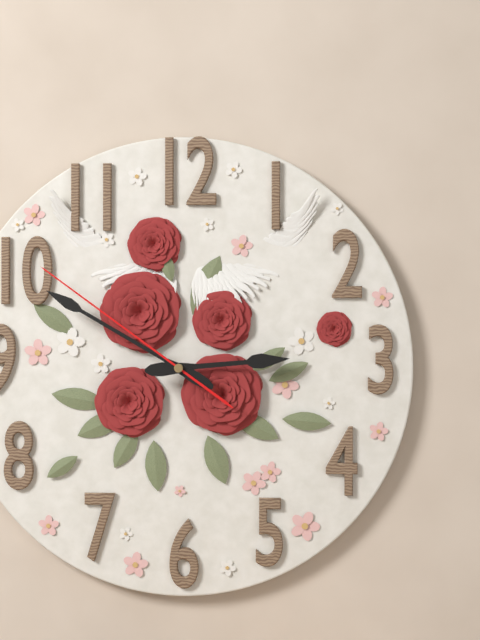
2:50:51
